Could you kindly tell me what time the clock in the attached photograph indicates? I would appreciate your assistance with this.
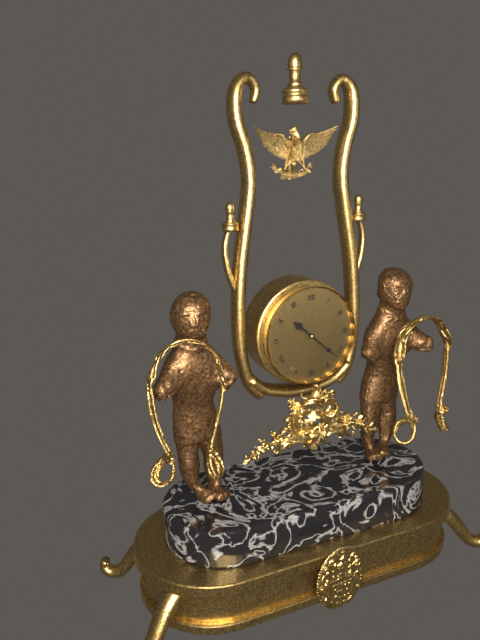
10:22
